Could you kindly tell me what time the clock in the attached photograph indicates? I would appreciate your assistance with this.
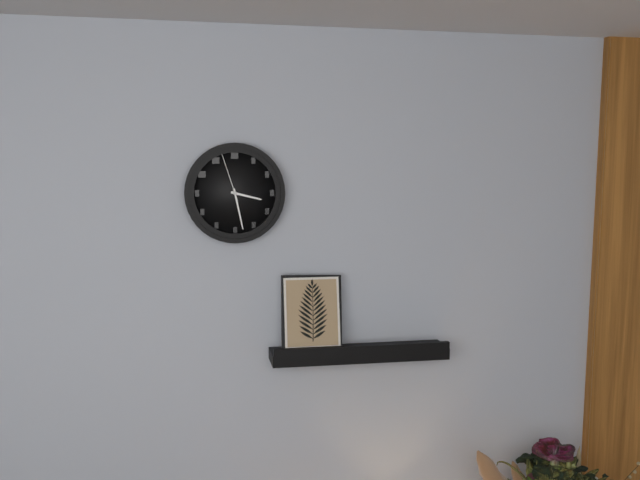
3:28:57
